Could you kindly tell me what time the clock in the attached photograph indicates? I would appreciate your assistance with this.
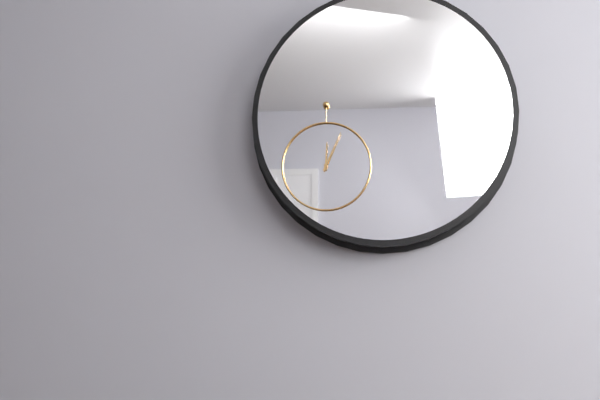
12:04
